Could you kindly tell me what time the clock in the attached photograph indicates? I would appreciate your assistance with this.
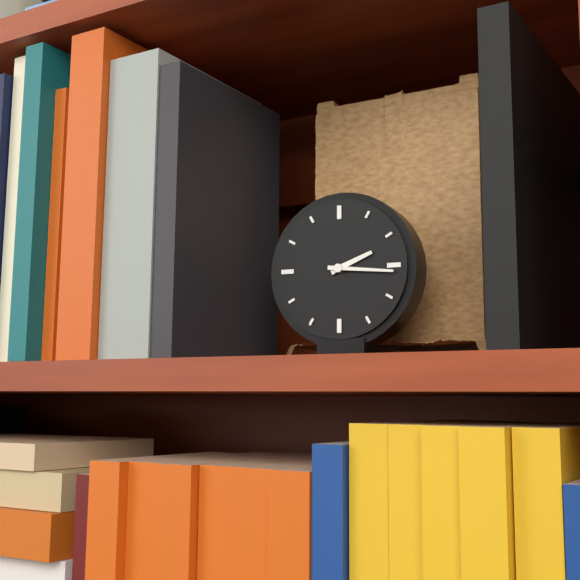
2:16
